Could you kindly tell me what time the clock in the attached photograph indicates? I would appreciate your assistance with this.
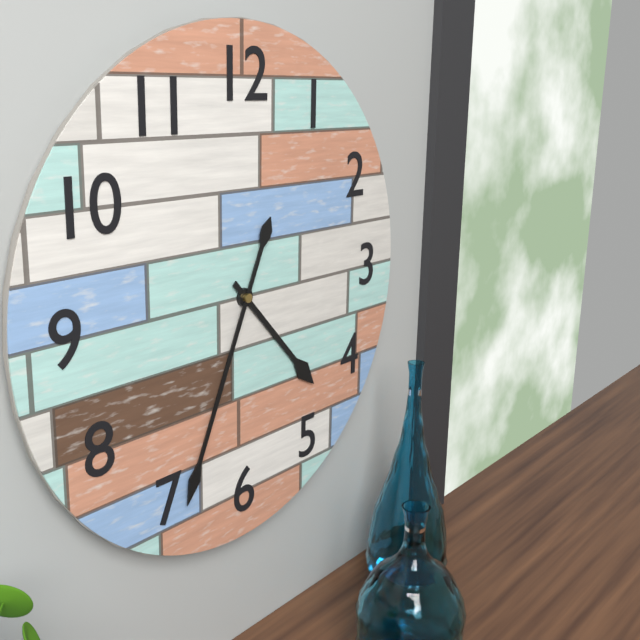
4:34
